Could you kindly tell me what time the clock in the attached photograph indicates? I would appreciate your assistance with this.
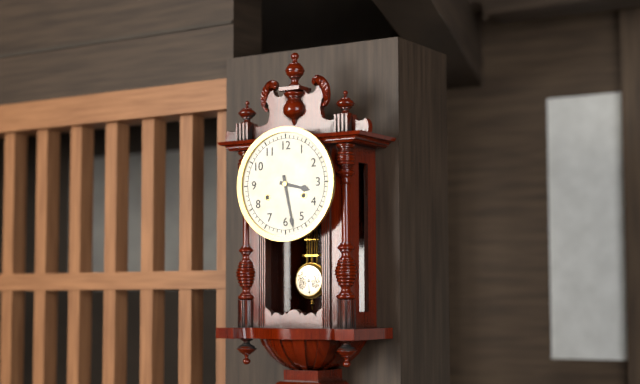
3:28
